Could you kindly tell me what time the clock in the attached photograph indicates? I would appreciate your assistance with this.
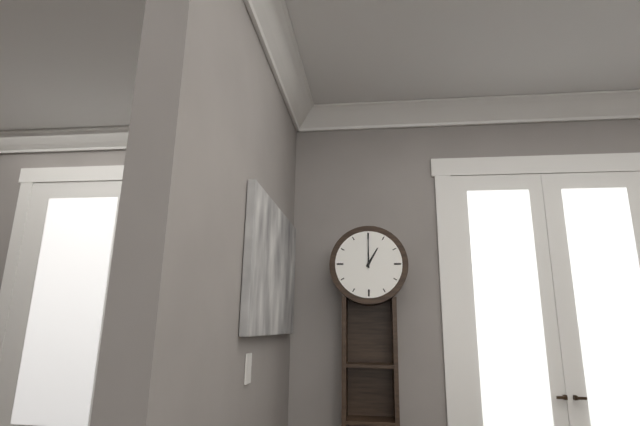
1:00
